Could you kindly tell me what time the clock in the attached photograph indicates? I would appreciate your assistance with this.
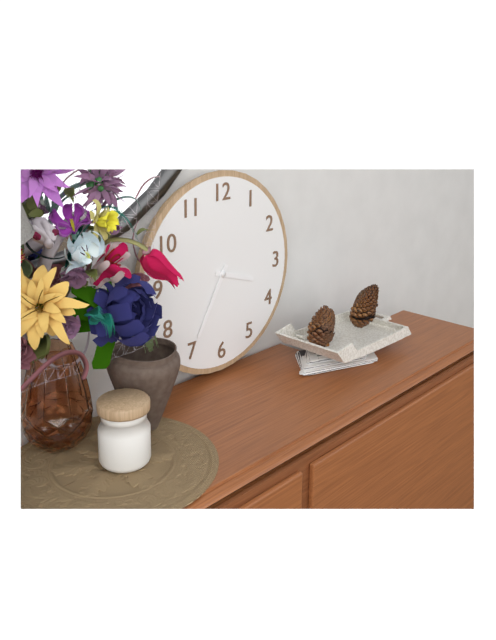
3:35
